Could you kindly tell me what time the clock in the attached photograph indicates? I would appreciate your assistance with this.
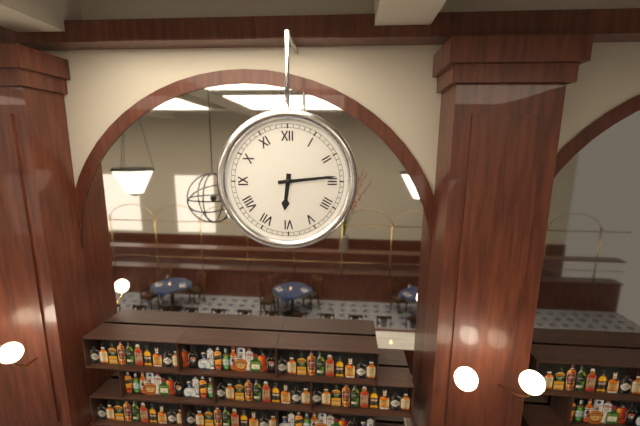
6:14
